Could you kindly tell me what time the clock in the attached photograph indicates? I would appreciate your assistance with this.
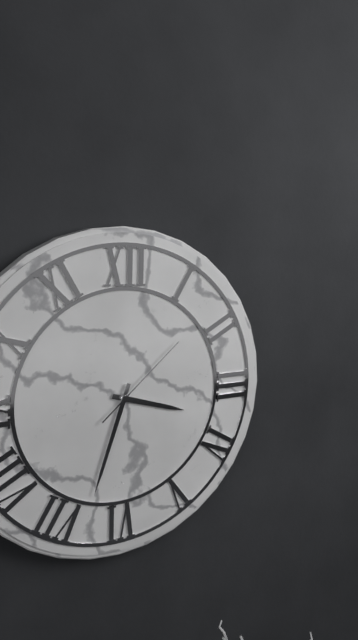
3:33:08
